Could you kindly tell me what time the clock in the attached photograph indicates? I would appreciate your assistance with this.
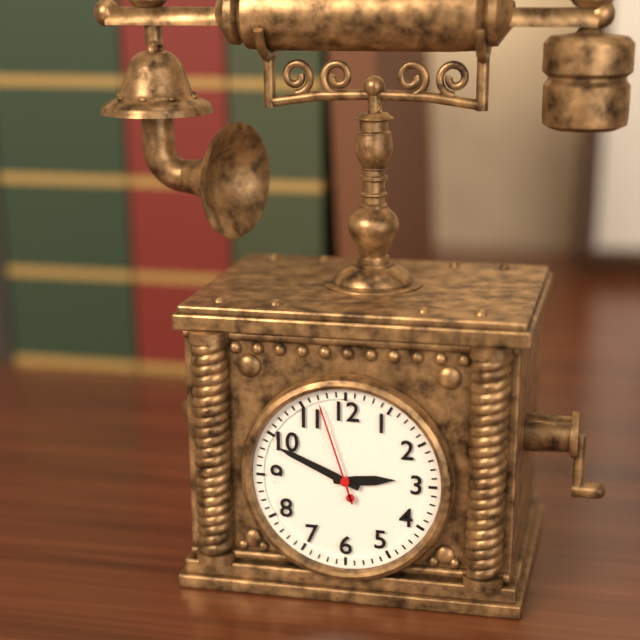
2:49:57
